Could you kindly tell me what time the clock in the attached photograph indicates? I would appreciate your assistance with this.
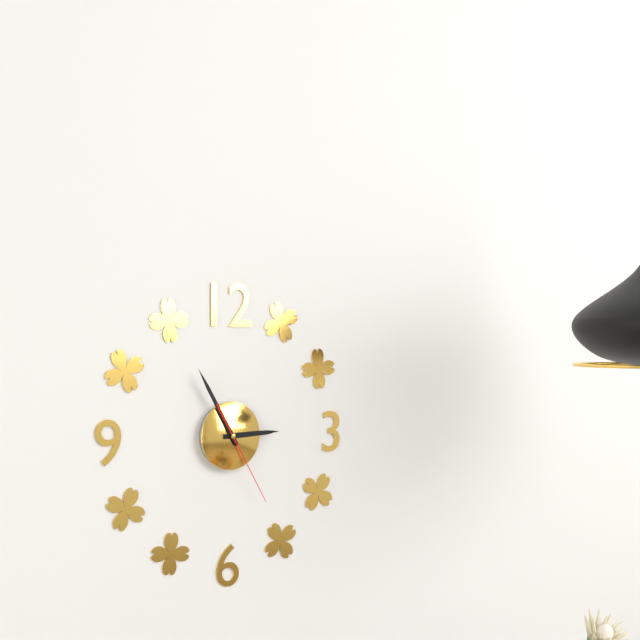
2:55:25
